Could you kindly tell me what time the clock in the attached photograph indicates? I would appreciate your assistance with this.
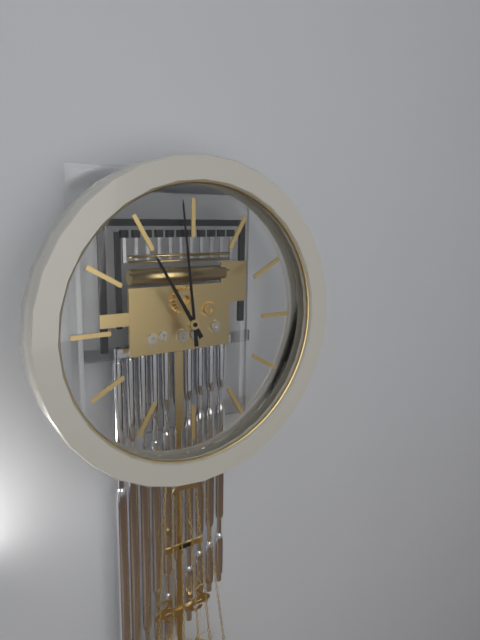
10:59
